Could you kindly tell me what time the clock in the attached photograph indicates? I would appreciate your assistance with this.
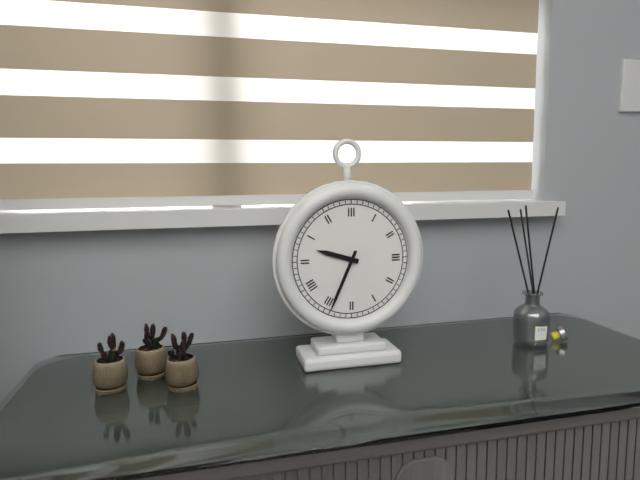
9:34
